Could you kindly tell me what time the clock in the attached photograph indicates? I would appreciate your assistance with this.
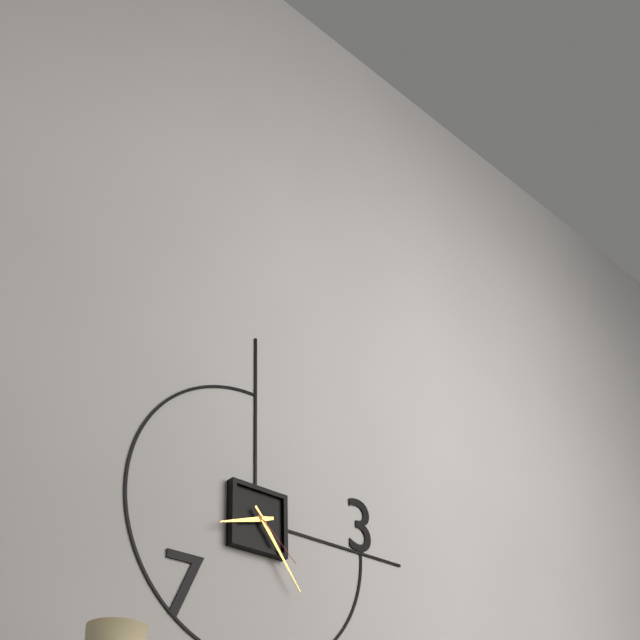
8:24:22
